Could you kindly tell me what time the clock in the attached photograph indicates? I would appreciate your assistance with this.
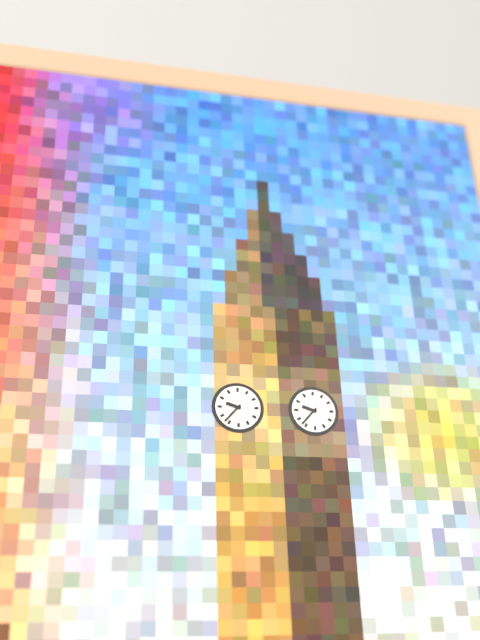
9:37
